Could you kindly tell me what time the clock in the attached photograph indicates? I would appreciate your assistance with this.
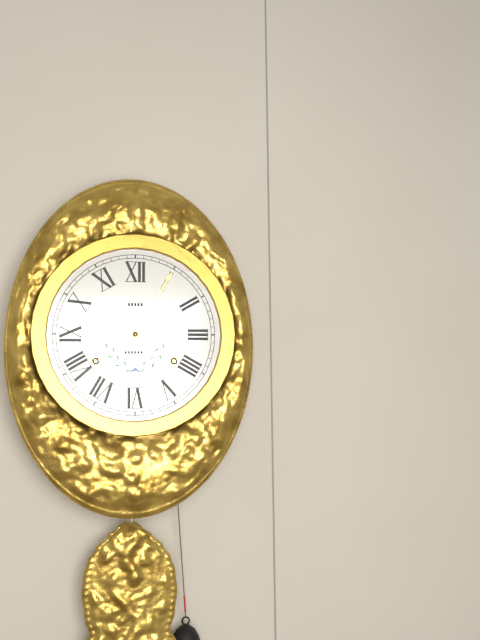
5:05
